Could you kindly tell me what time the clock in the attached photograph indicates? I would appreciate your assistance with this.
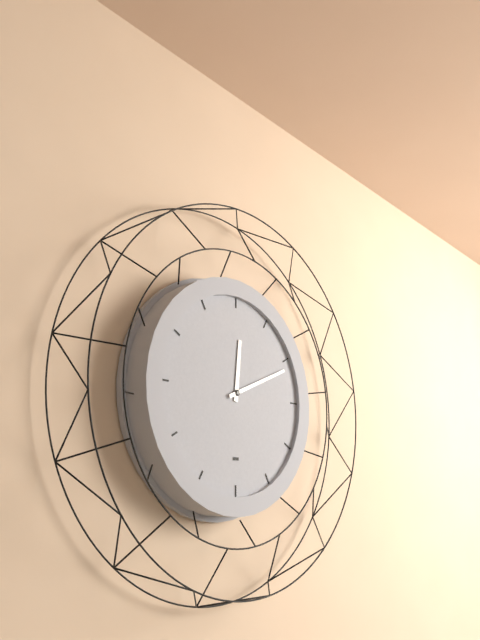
12:11
